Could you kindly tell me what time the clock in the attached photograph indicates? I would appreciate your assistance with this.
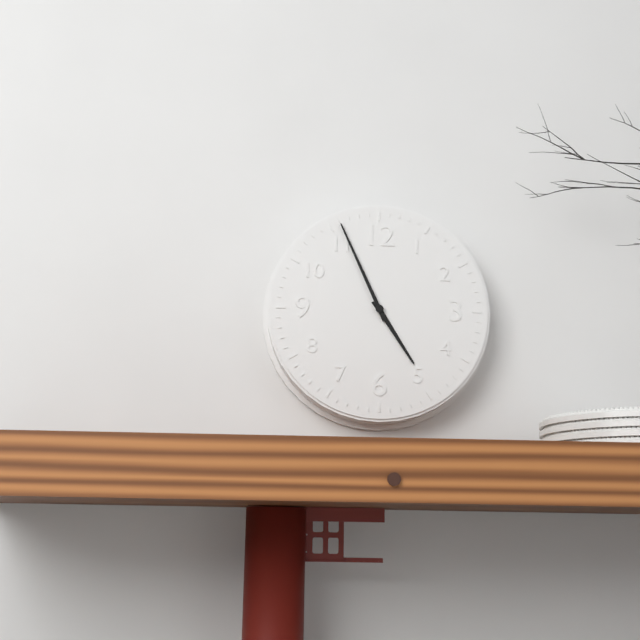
4:56
